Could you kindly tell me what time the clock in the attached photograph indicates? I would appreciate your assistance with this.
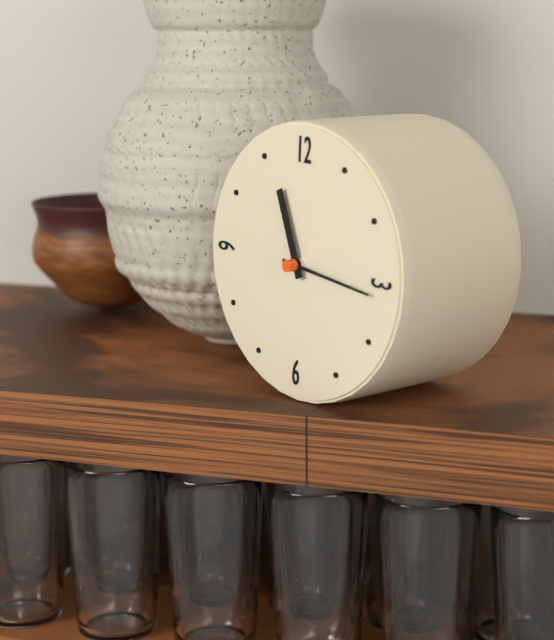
11:16
